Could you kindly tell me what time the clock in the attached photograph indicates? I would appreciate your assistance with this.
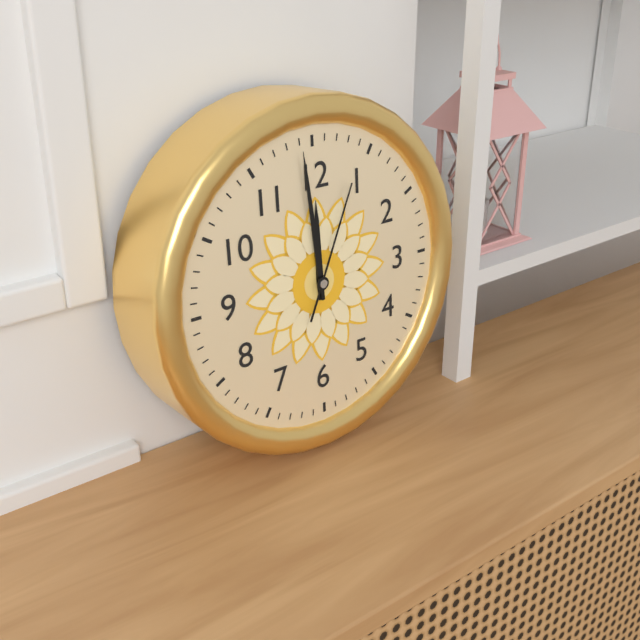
11:59:04
